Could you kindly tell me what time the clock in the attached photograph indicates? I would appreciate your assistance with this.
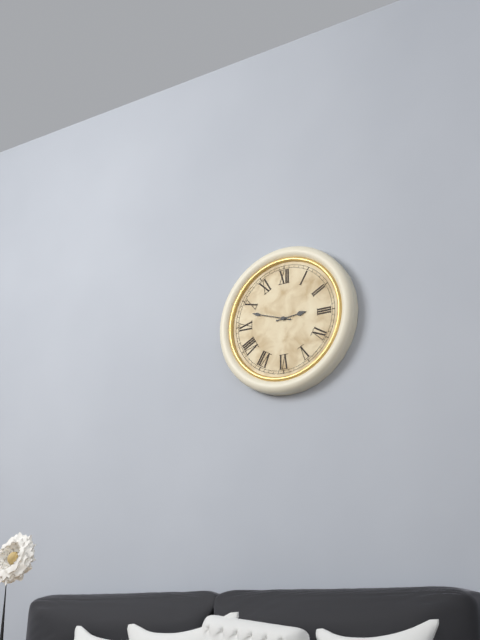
2:48
